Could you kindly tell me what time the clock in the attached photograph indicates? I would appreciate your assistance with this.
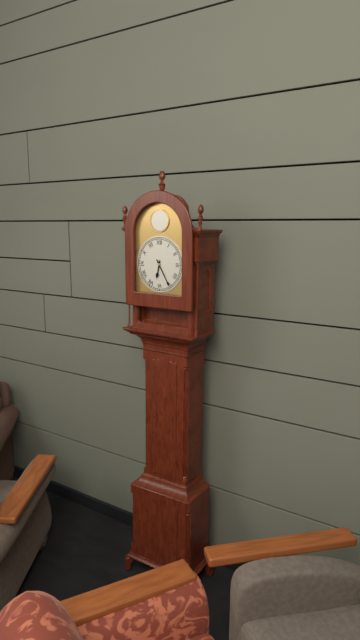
6:25
